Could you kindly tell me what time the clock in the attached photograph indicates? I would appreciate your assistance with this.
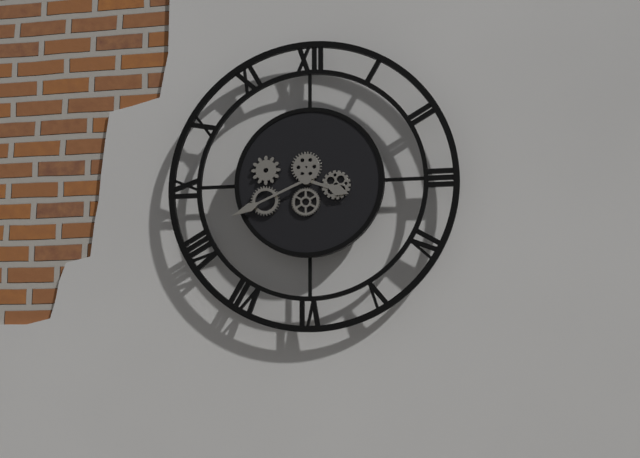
3:41
